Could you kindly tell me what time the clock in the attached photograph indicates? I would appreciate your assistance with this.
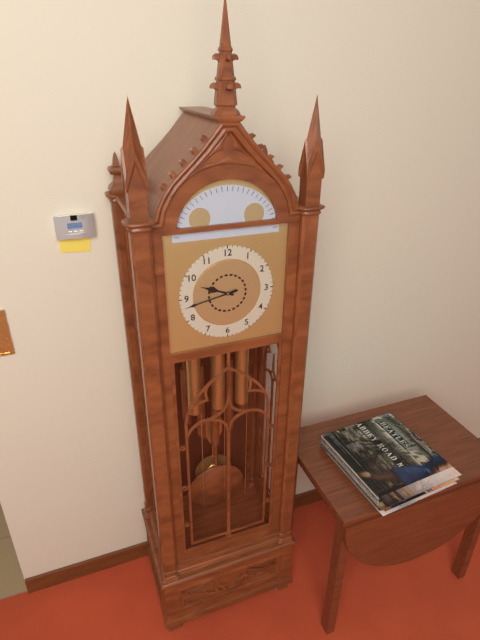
9:43
